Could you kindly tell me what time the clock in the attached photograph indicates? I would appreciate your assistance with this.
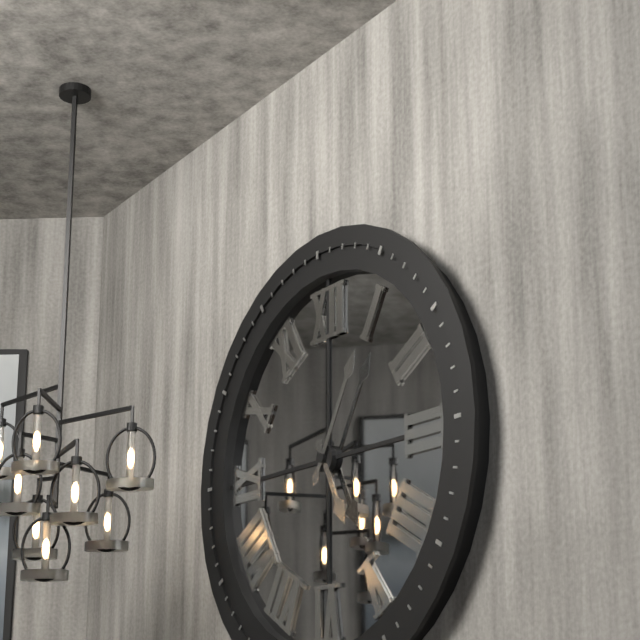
5:05
